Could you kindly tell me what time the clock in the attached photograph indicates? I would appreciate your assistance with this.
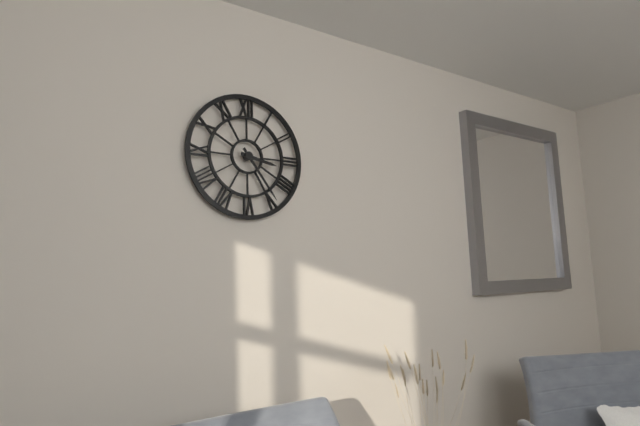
3:24
